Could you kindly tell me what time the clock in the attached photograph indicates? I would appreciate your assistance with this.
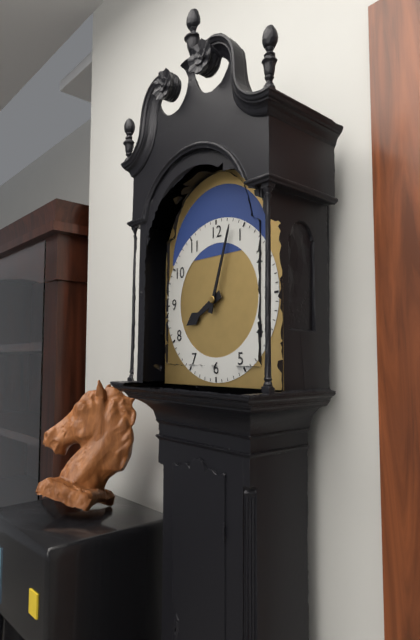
8:03
